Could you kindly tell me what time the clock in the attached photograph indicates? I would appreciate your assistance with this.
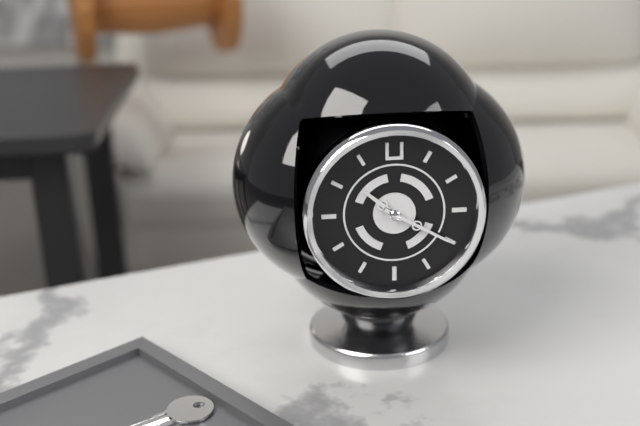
10:20
